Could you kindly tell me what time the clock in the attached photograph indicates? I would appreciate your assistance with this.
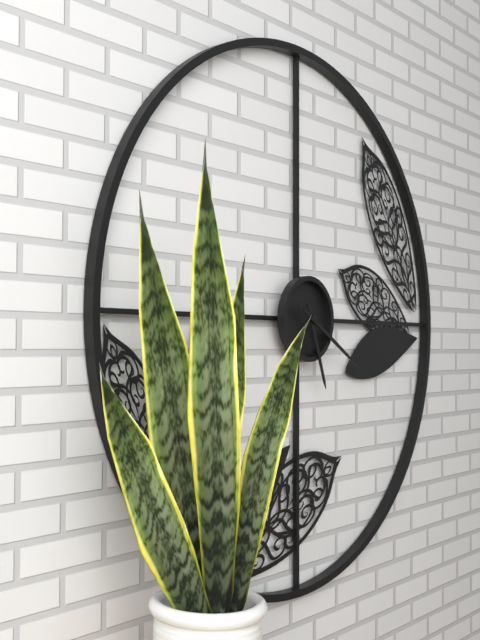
5:20
